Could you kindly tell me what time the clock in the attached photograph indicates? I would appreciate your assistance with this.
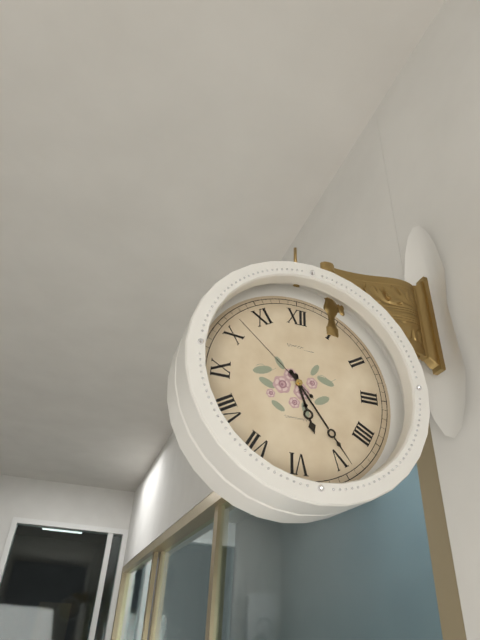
5:24:52
